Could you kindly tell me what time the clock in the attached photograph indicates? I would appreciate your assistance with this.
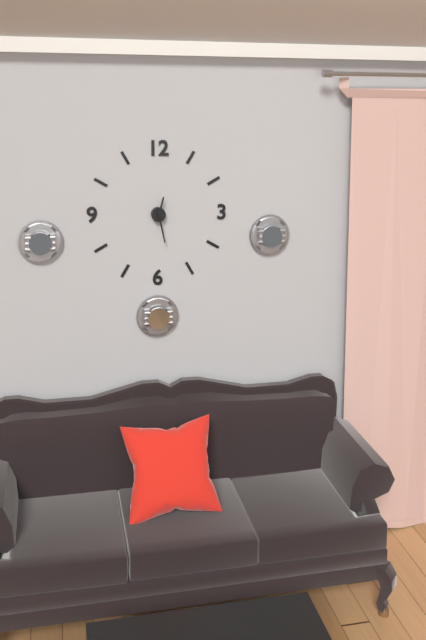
12:28
